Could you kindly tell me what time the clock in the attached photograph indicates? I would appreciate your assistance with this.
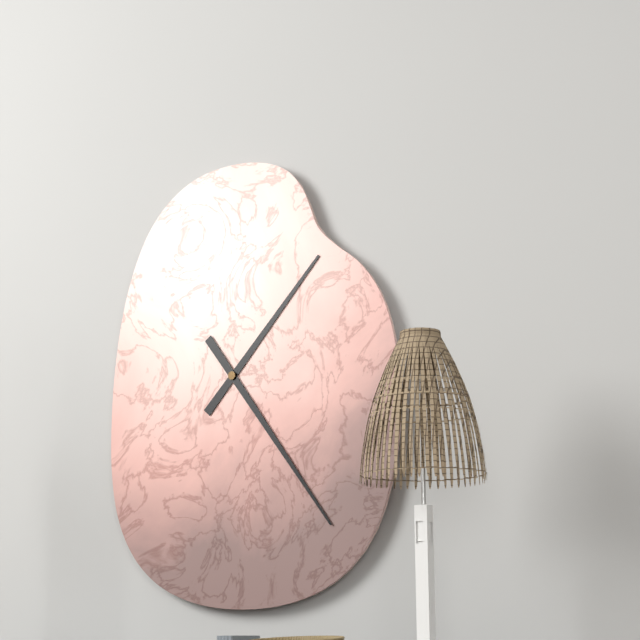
1:24
